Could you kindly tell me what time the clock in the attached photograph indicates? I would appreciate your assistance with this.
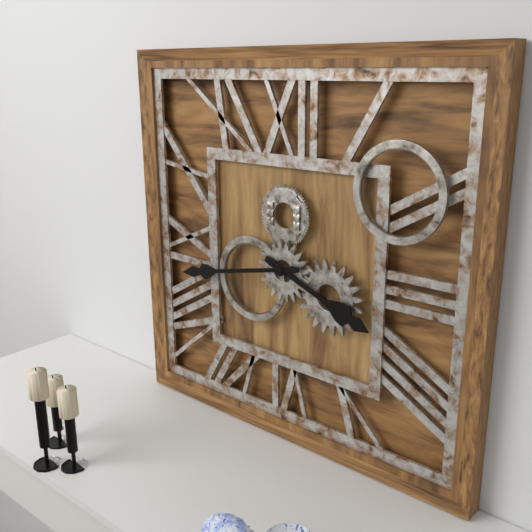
3:43
